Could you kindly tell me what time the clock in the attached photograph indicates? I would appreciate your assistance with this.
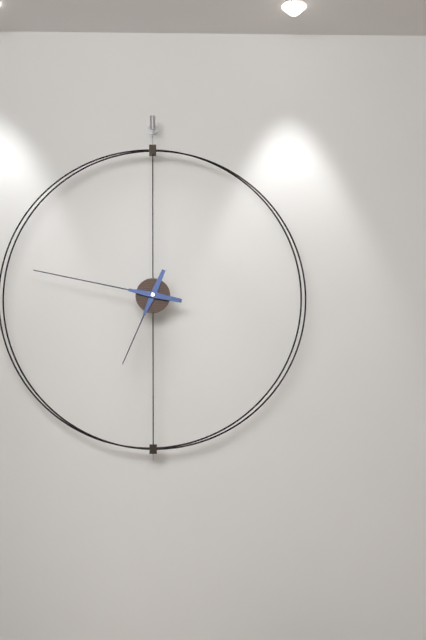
6:47
